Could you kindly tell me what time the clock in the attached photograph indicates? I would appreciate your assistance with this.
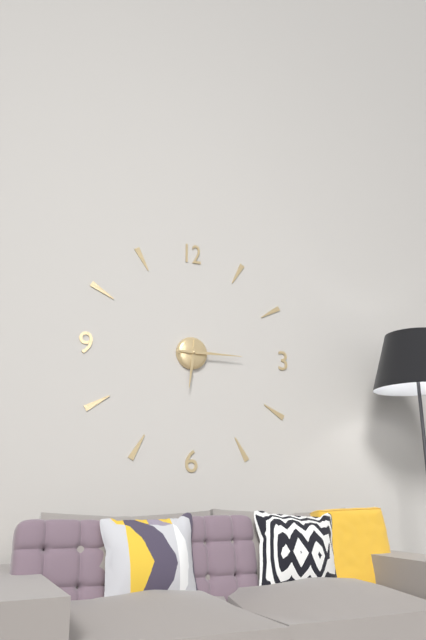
6:15
